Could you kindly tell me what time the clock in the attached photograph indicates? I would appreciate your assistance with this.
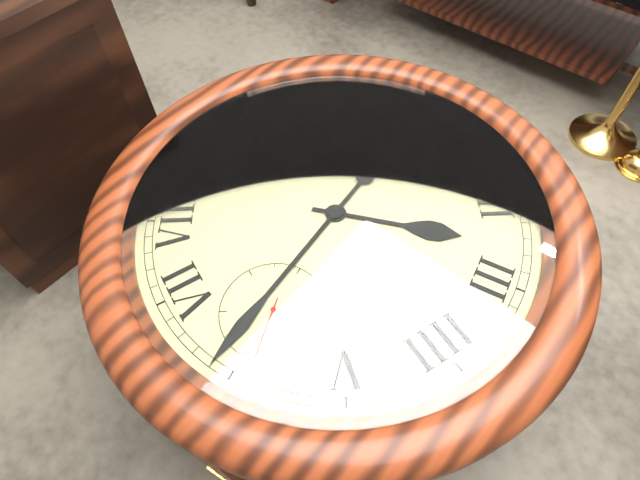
2:31:28
